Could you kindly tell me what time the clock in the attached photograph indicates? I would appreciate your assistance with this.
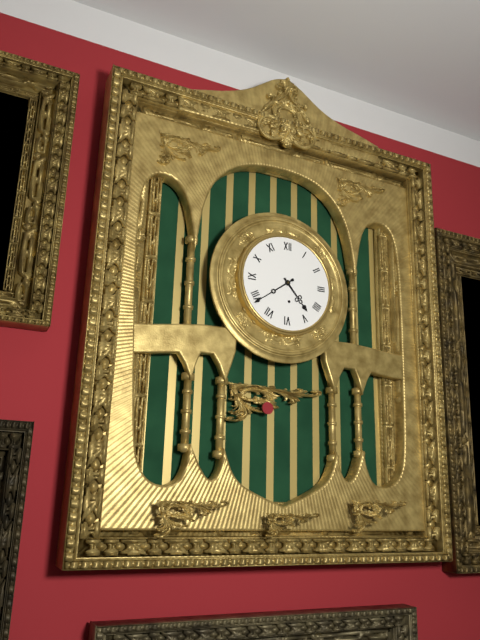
4:39
